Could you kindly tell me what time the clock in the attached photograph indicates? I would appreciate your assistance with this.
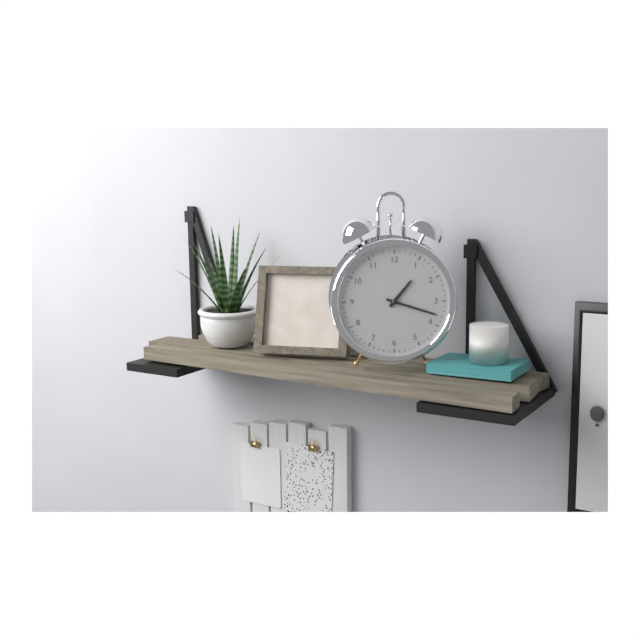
1:18
